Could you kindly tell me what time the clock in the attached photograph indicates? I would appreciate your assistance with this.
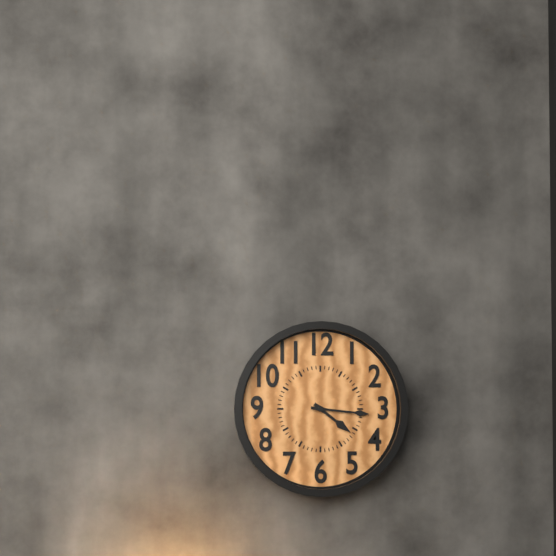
4:16
